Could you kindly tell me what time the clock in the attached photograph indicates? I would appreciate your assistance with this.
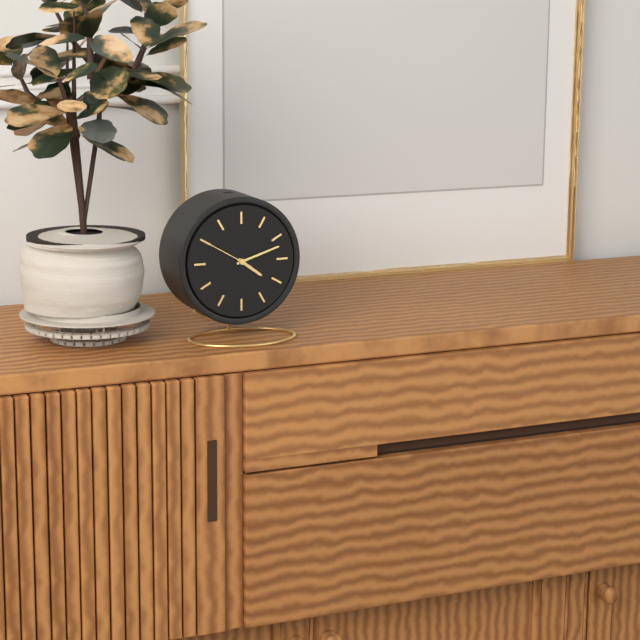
4:12:50
